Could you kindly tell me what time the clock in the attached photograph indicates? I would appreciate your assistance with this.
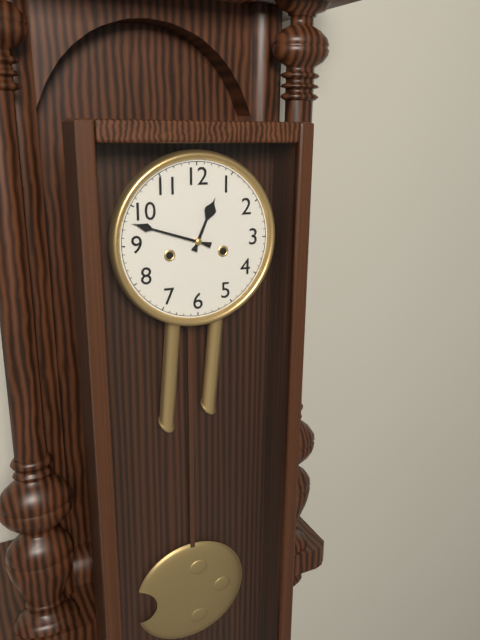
12:48
